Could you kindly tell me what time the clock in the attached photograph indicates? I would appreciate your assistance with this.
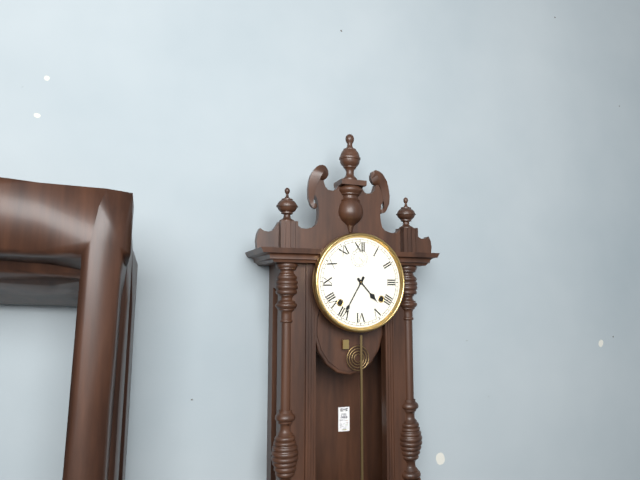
4:35
